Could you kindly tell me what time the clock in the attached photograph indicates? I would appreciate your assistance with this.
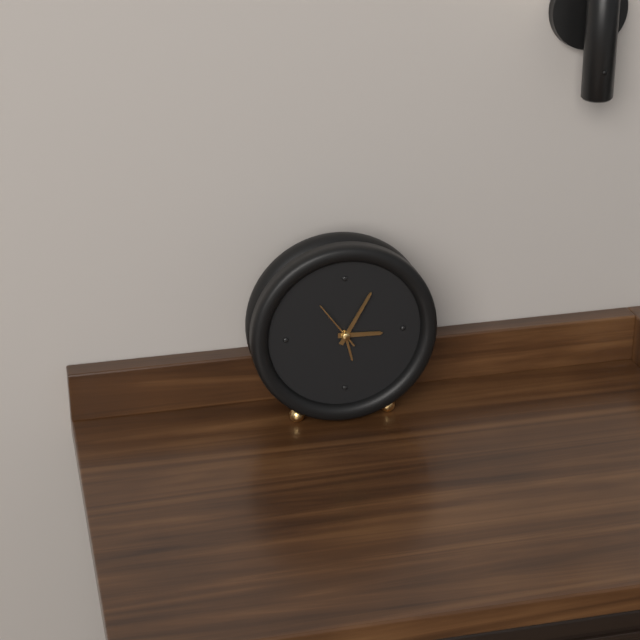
3:05:54
